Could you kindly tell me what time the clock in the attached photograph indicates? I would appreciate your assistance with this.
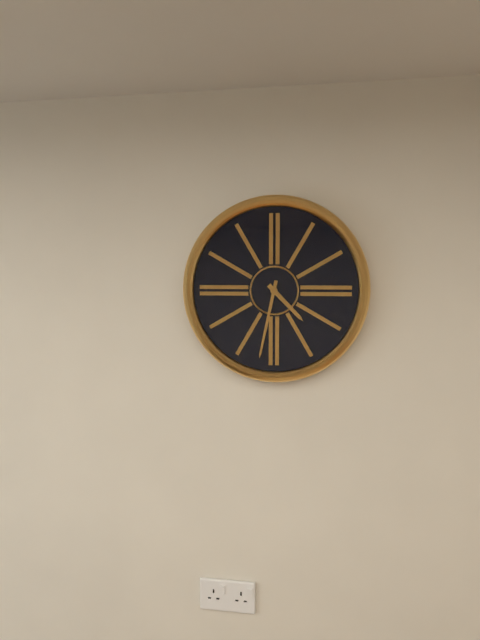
4:32
